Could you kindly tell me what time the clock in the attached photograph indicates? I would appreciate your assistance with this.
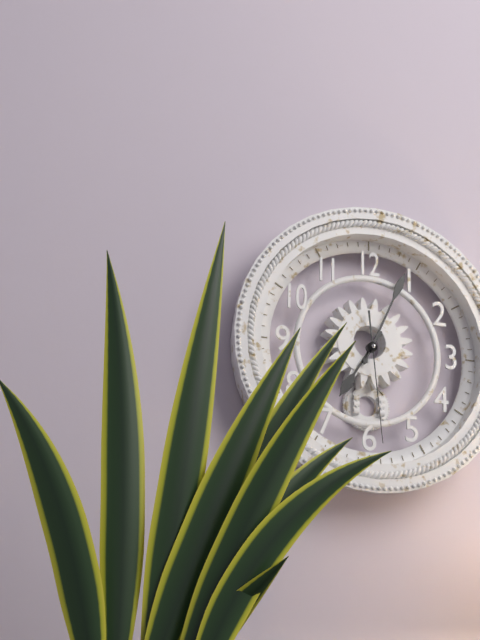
7:04:29
